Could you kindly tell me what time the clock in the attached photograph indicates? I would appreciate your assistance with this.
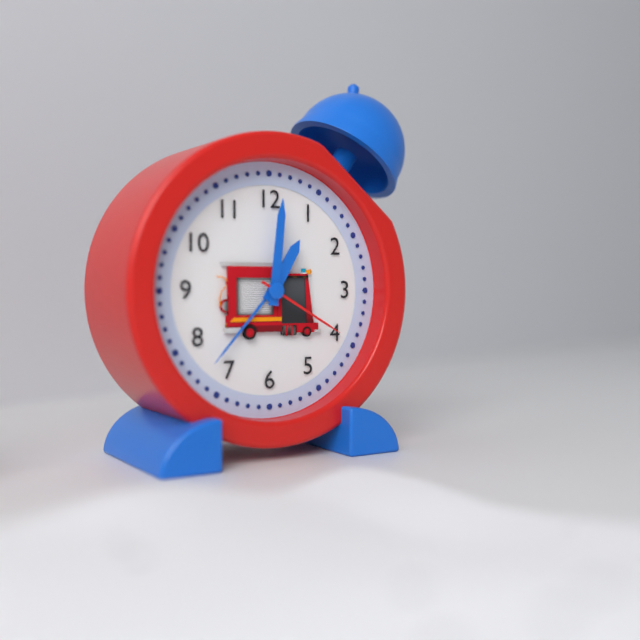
1:01:20
